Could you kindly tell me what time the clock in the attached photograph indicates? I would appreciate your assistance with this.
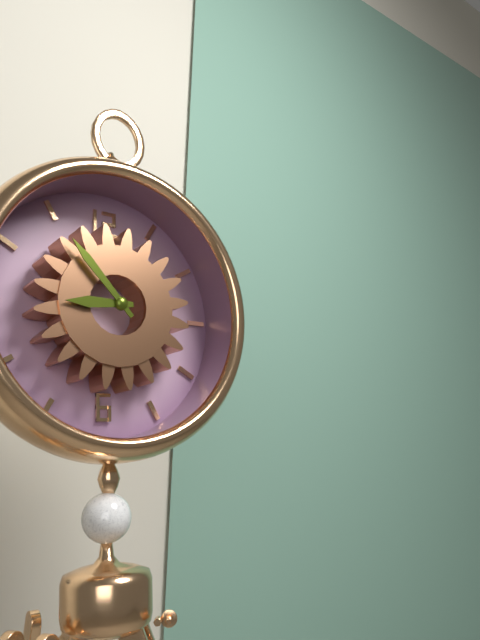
8:53
